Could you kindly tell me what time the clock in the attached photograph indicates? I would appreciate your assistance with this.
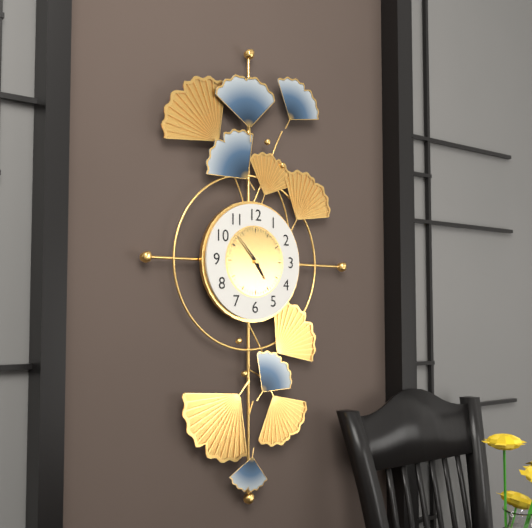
4:53
